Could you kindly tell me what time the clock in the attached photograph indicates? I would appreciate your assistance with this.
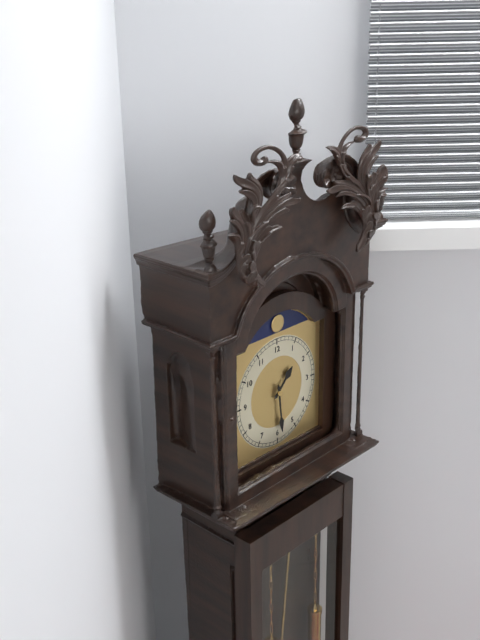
1:29
